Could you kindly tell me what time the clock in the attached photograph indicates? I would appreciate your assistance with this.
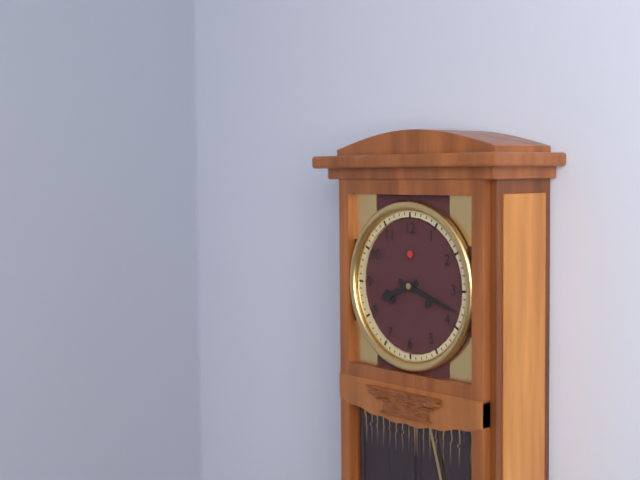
8:18
